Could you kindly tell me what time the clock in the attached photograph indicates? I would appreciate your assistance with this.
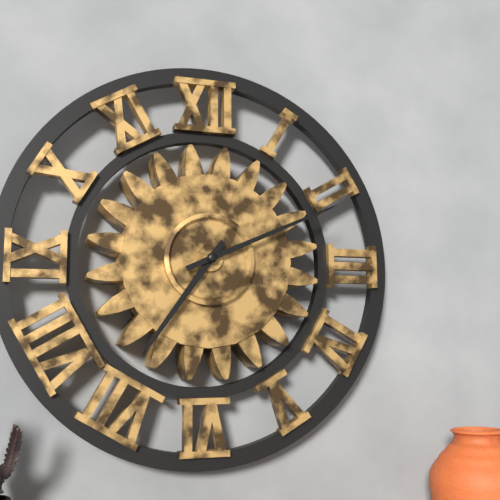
7:11
